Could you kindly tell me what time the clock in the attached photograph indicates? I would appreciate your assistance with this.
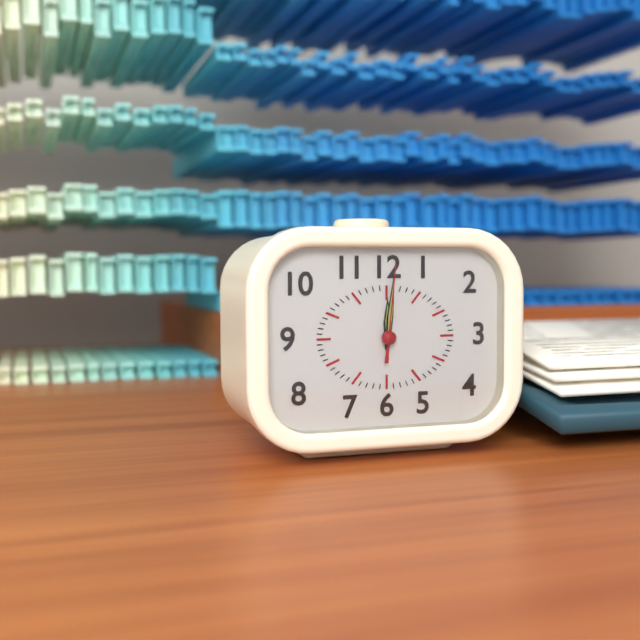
12:01:01
